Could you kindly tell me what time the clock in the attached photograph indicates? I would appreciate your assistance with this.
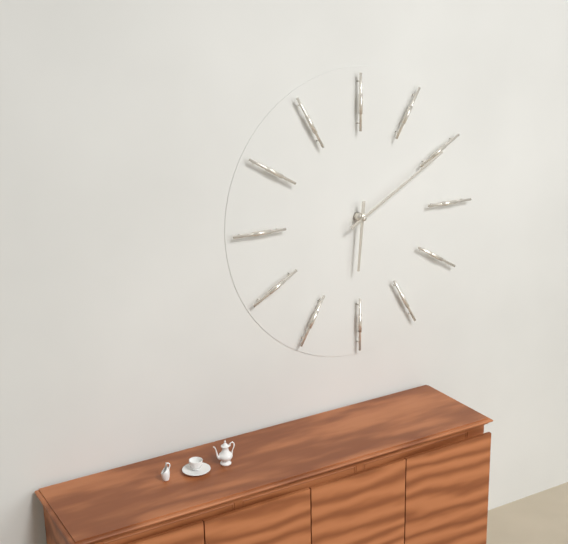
6:10
